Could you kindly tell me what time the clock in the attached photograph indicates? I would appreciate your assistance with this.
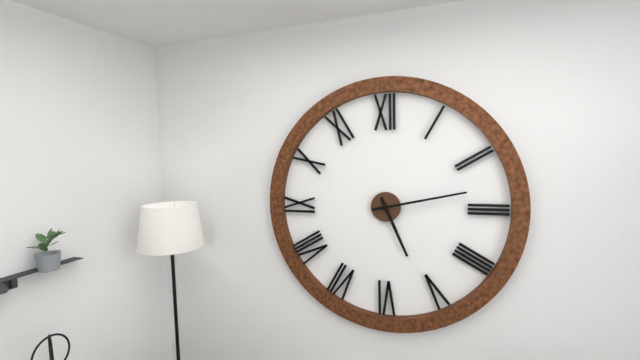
5:13
